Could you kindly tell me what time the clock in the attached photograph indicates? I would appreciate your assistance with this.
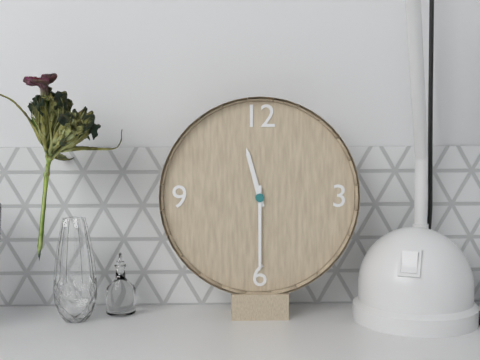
11:30
